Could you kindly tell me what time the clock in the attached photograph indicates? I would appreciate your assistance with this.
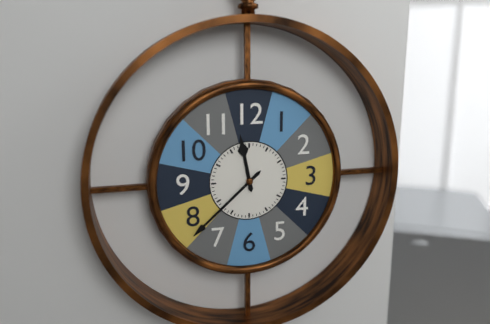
11:38
